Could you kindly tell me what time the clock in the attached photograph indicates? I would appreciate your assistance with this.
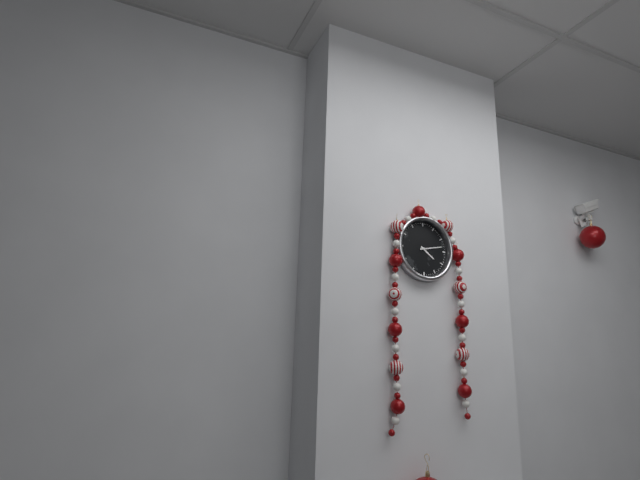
4:13
